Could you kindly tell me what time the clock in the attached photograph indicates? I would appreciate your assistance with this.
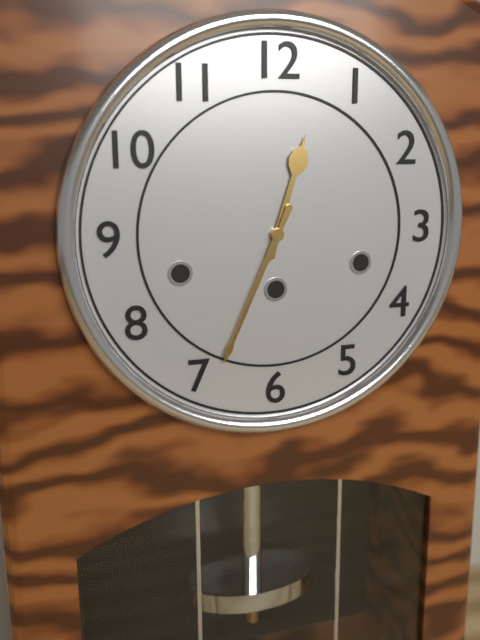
12:34
